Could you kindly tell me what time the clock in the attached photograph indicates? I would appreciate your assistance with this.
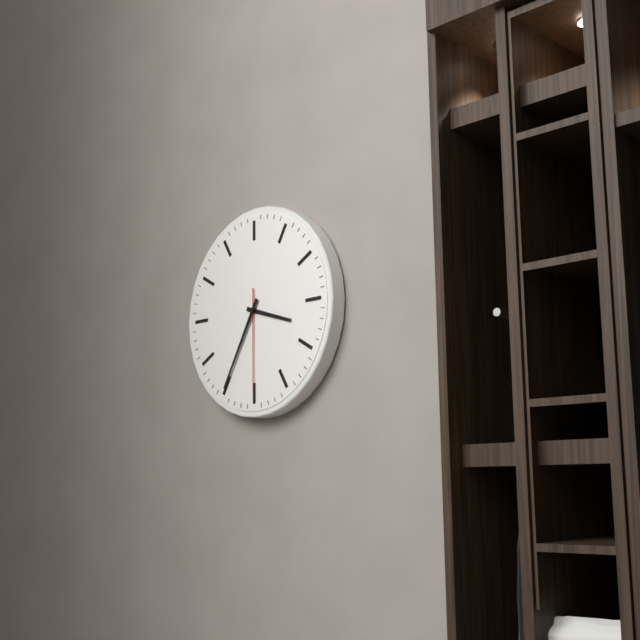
3:35:30
